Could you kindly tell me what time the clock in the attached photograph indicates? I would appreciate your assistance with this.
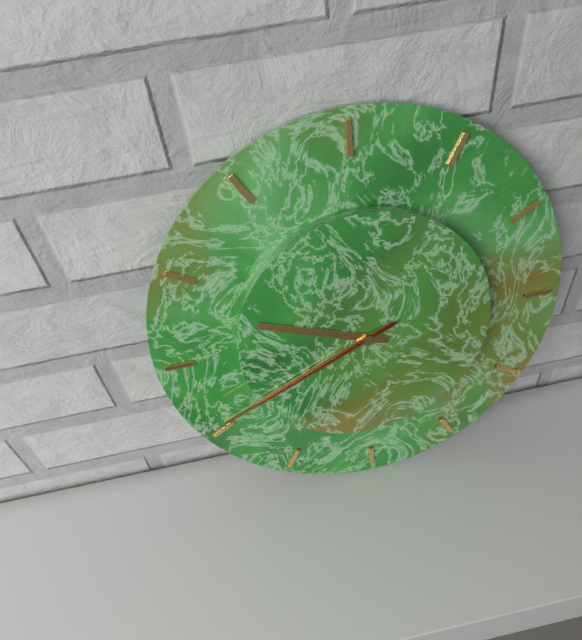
9:41:41
